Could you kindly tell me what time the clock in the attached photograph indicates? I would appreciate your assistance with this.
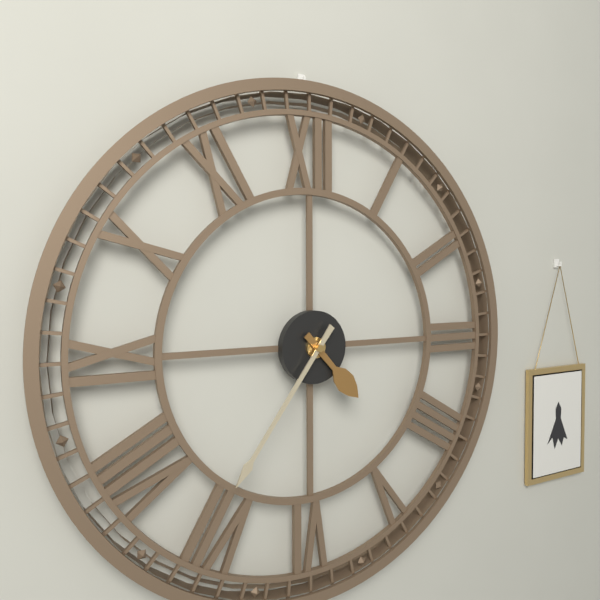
4:36
